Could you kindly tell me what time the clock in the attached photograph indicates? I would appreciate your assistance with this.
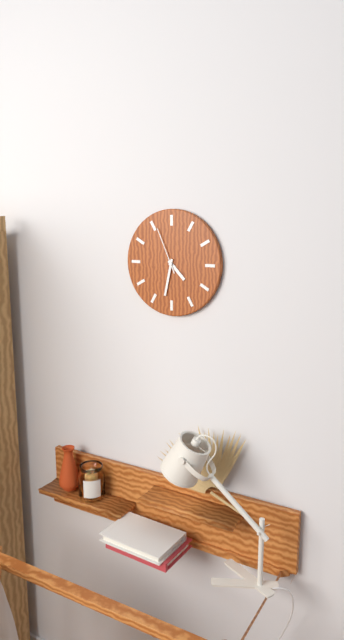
4:32
